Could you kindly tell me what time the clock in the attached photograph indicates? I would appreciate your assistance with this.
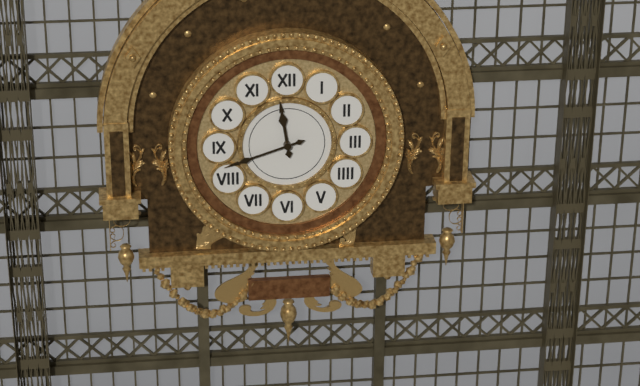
11:42
